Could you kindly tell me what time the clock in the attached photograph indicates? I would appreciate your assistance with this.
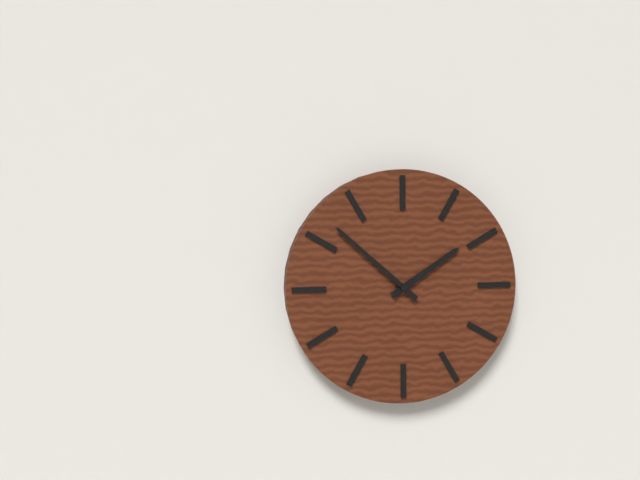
1:52
